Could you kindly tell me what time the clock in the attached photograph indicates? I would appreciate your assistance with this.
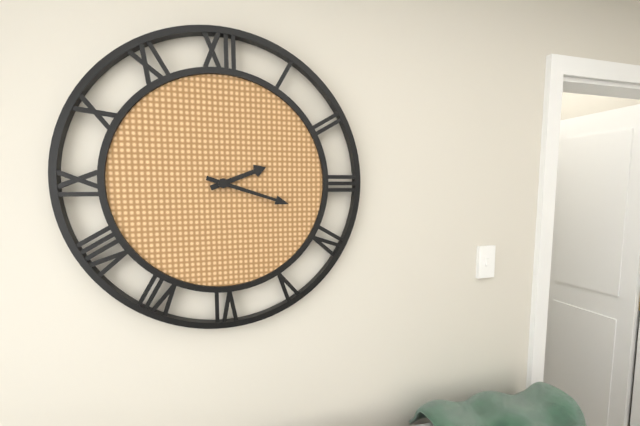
2:18
